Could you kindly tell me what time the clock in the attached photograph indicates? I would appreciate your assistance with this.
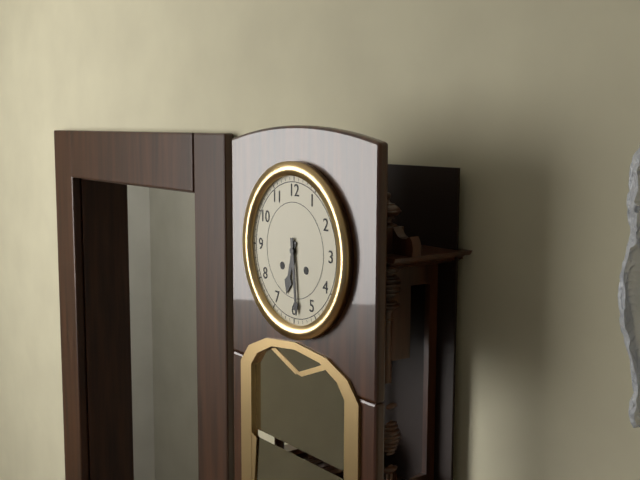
6:29
